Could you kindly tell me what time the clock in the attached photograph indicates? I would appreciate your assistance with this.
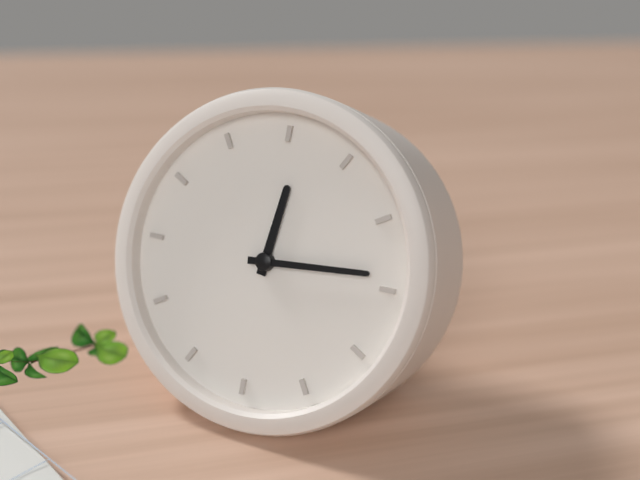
12:14
